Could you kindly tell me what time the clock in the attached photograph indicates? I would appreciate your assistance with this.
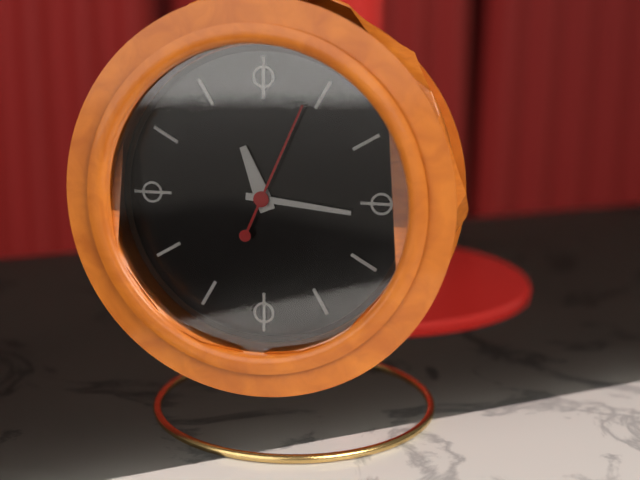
11:16:04
